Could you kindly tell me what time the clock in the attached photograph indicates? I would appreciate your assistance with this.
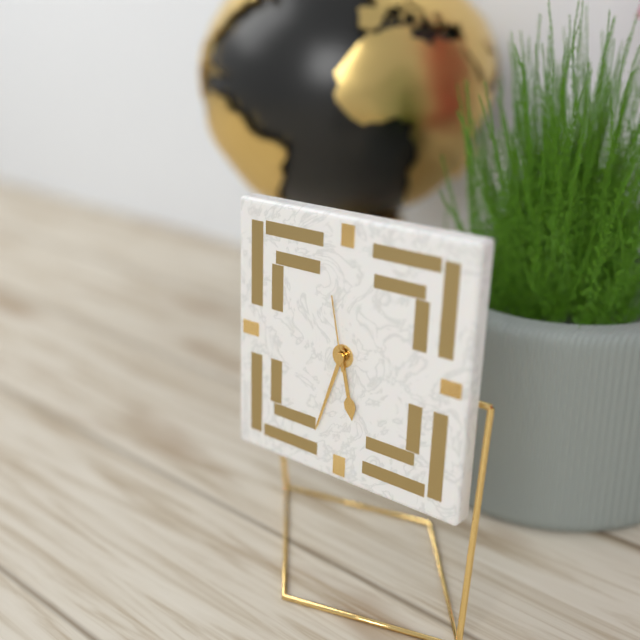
5:33:58
